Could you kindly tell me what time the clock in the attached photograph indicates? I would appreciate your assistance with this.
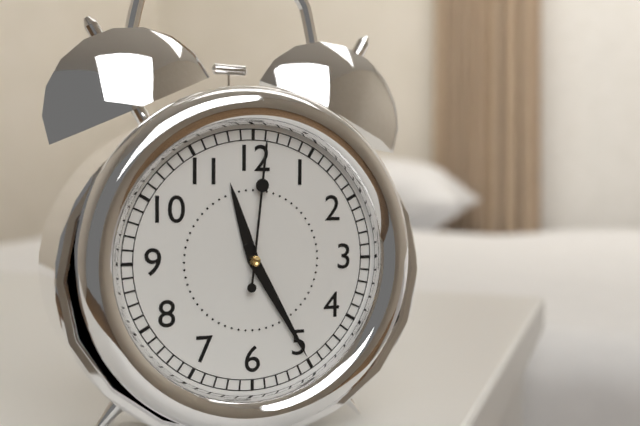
11:25:01
